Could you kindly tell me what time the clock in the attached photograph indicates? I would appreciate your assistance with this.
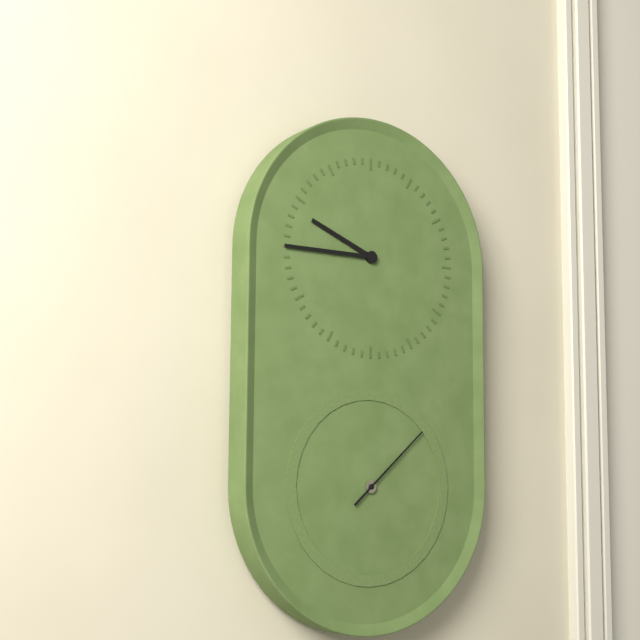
9:45:08
